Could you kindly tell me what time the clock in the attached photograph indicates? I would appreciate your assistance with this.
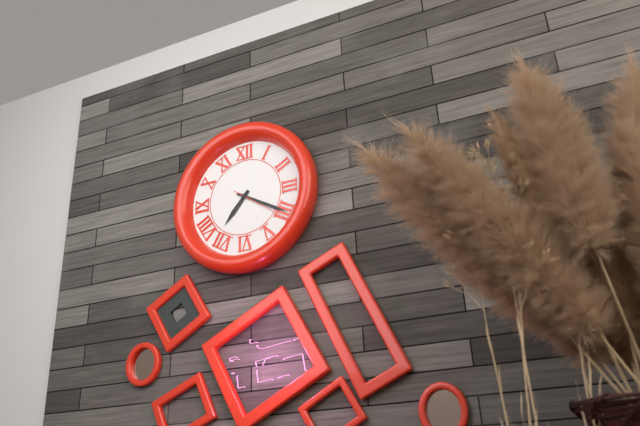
7:20:21
